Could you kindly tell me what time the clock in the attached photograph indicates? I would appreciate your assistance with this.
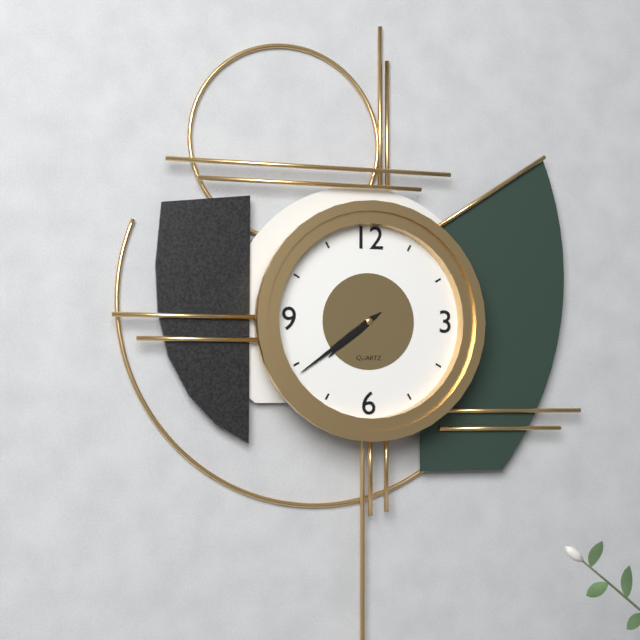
7:39
